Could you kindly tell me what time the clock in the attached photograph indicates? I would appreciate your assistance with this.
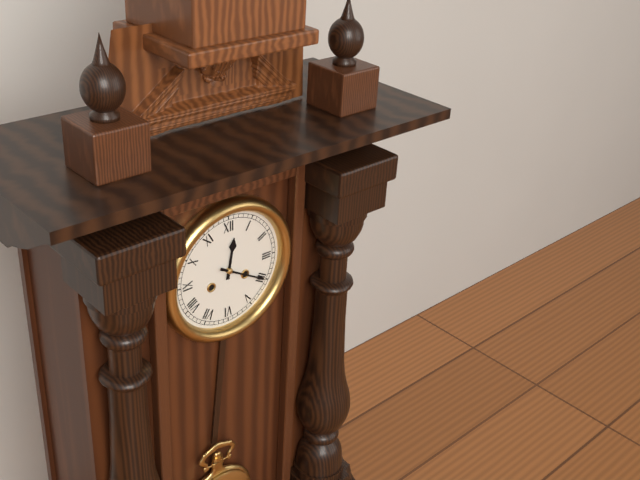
12:20
